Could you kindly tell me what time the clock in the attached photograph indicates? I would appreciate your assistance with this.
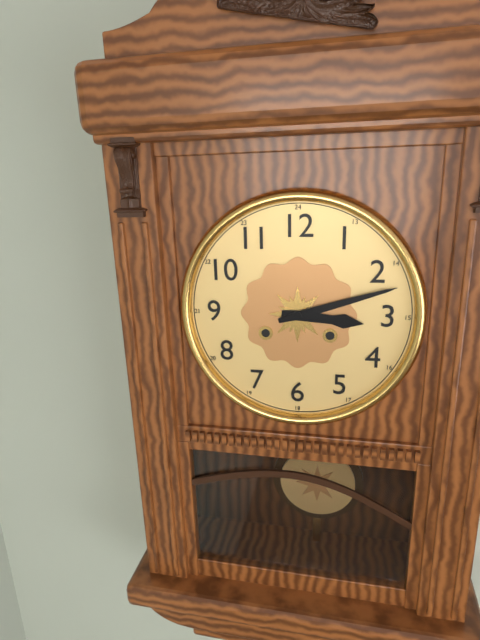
3:12
